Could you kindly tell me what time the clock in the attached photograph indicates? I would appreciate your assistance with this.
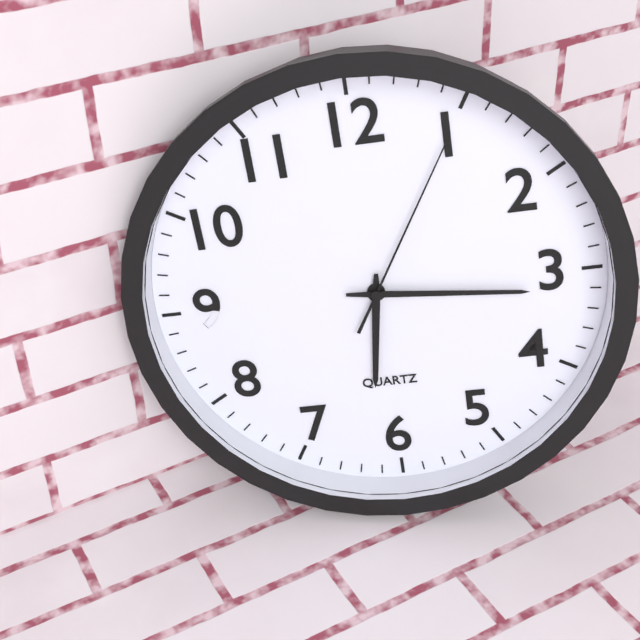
6:16:05
